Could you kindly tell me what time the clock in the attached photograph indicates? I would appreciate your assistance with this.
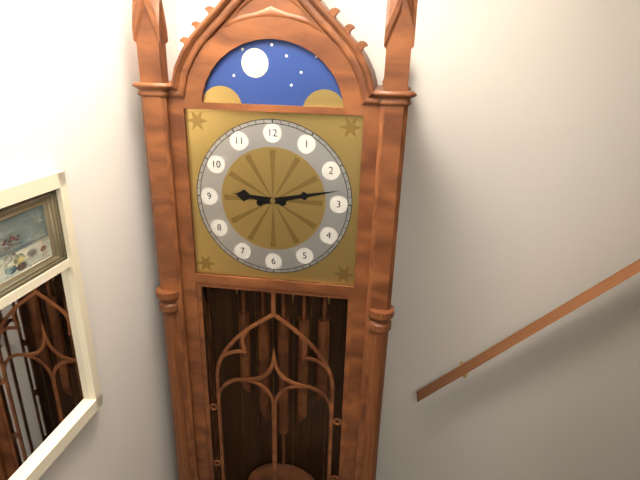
9:13
